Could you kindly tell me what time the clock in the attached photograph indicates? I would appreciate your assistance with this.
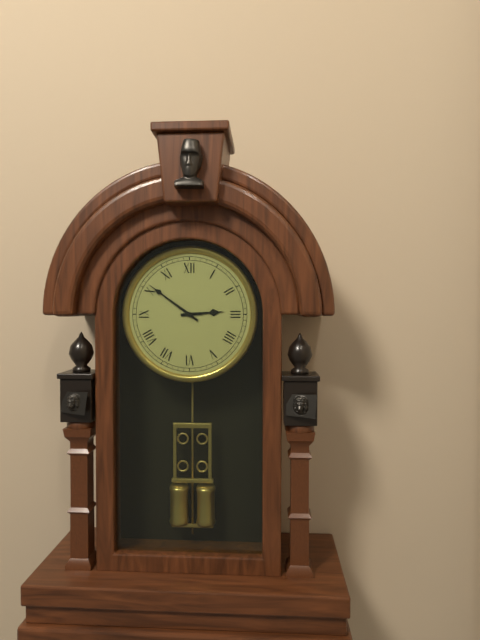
2:51
